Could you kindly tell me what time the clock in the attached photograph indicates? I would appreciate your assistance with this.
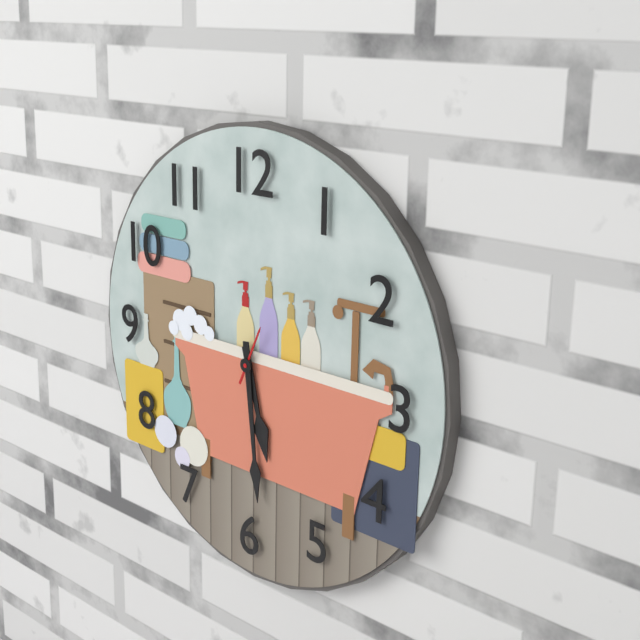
5:29:04
